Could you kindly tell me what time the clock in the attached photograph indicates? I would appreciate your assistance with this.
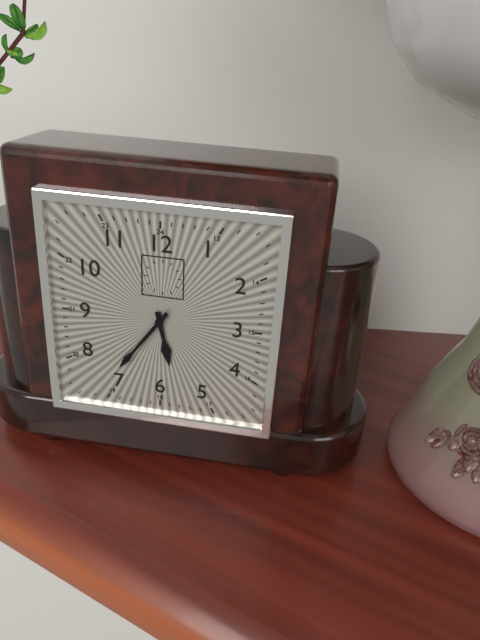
5:36
